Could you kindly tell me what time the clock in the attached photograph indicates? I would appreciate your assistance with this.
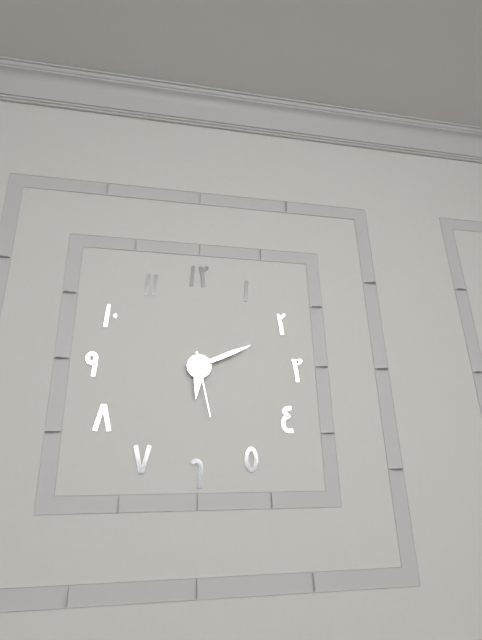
6:11:28
